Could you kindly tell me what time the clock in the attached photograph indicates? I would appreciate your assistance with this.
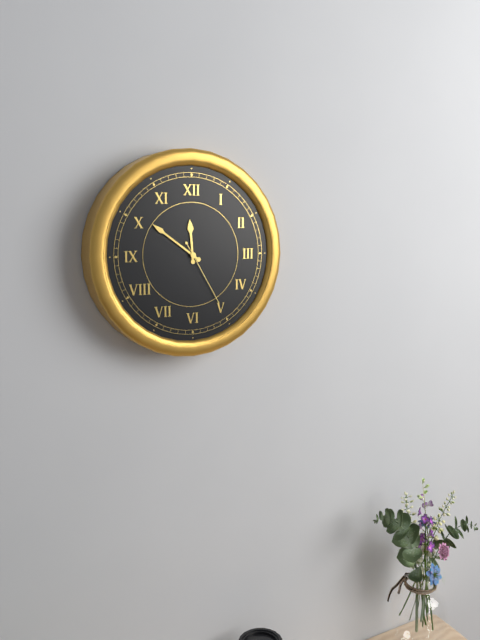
11:51:25
